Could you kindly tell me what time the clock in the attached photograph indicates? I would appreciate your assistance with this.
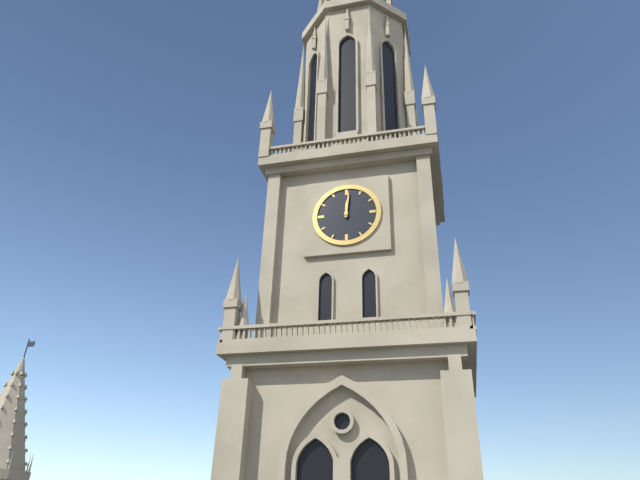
12:01
